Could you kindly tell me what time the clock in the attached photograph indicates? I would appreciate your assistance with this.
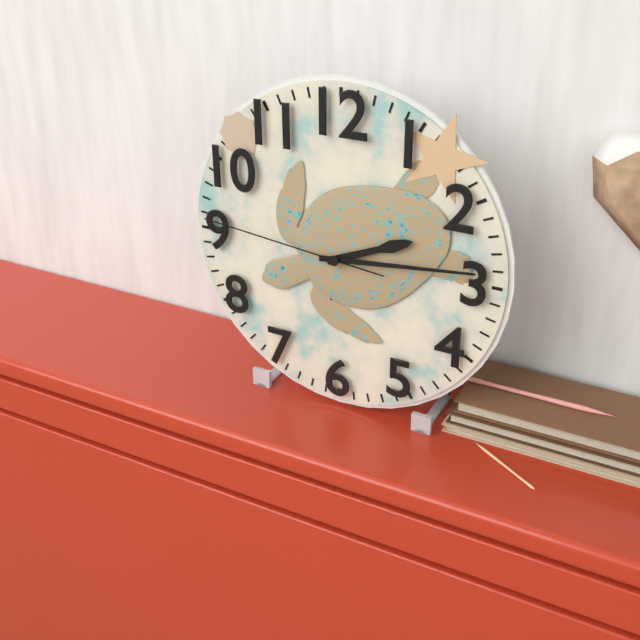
2:14:46
